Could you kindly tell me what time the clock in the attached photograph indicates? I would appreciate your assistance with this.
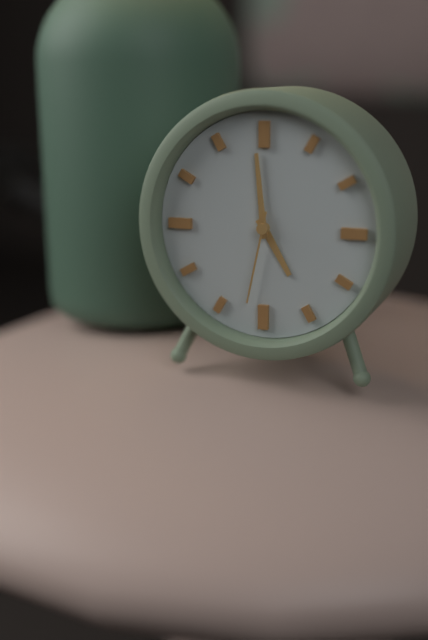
4:59:32
